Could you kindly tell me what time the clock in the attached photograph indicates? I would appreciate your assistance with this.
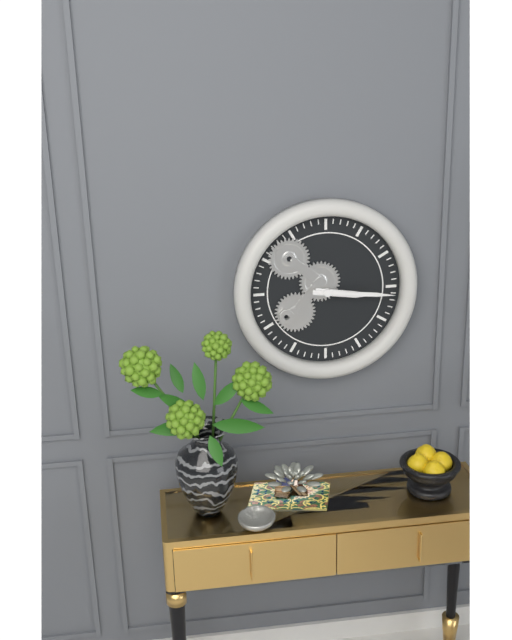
3:16
